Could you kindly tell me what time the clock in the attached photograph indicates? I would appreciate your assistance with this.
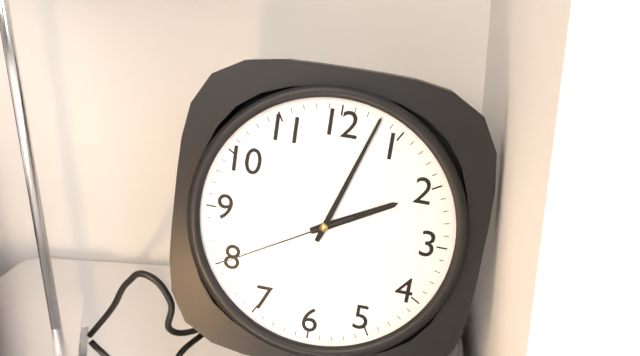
2:03:40
